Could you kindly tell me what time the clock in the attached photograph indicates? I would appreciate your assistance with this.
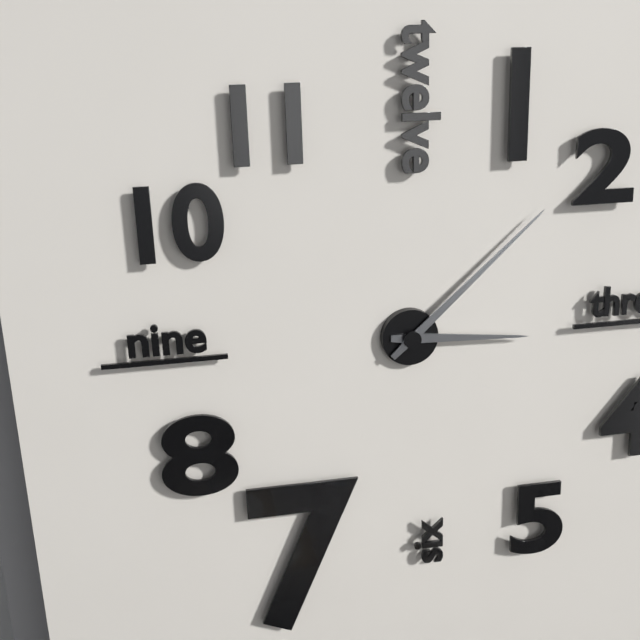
3:08
